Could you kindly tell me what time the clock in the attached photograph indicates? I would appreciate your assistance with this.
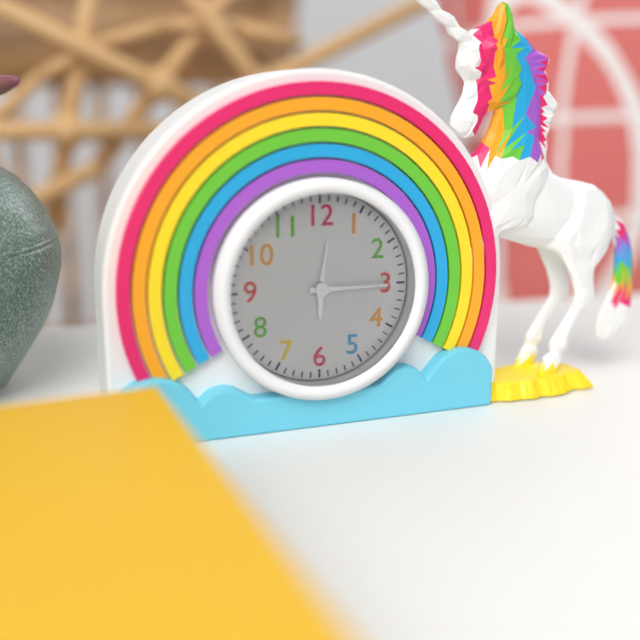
12:15
